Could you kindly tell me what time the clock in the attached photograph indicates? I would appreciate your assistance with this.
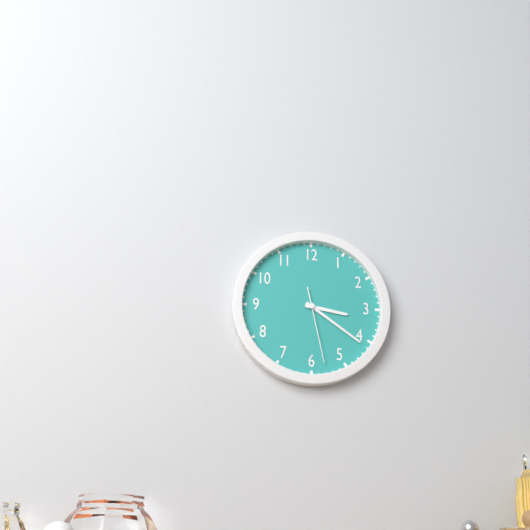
3:21:28
